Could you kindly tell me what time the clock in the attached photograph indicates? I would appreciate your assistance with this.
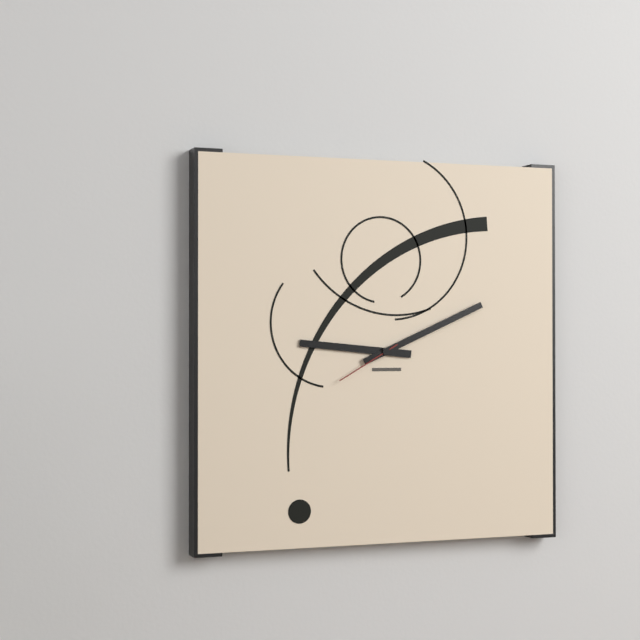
9:11:40
